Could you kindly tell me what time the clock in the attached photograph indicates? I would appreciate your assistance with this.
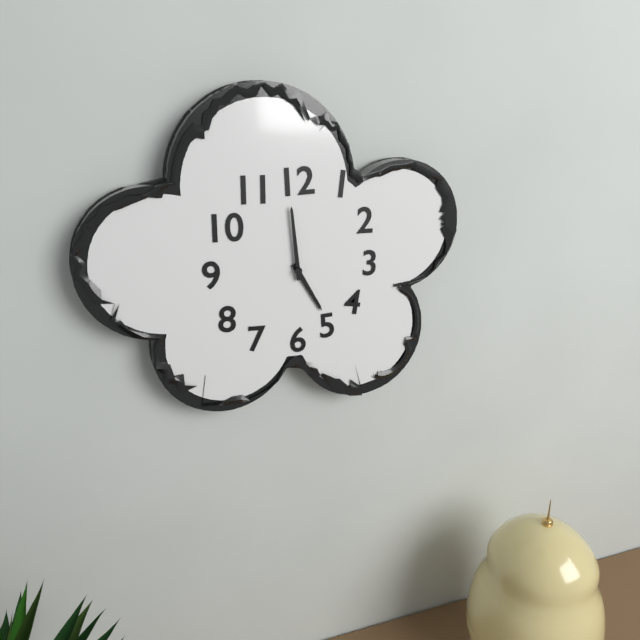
4:59
